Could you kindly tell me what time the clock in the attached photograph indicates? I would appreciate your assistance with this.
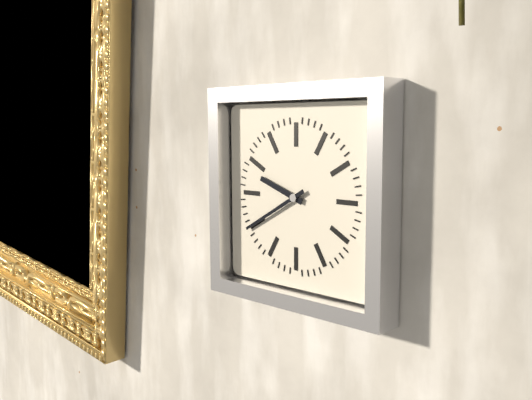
9:40
